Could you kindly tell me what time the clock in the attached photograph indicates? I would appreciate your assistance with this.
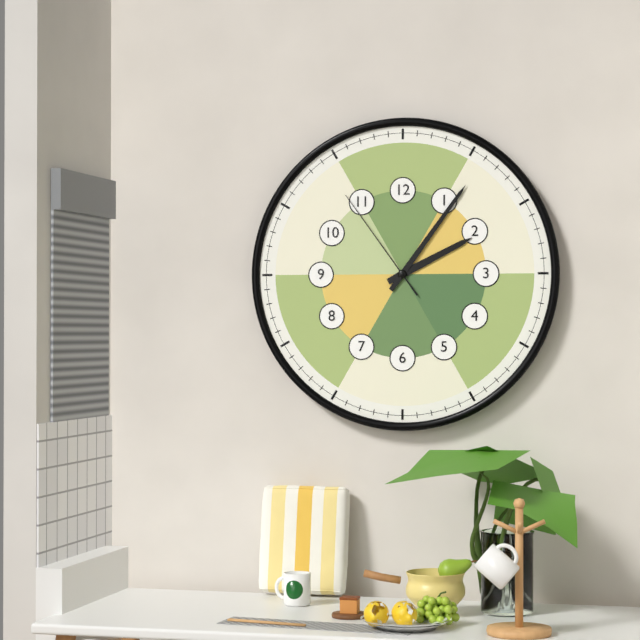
2:06:54
